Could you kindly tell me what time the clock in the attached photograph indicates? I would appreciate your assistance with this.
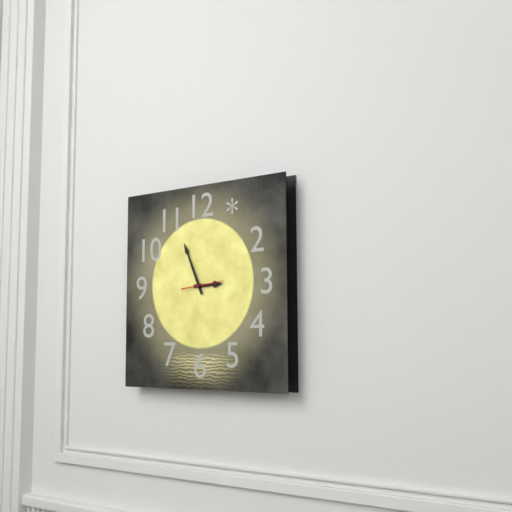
2:56
